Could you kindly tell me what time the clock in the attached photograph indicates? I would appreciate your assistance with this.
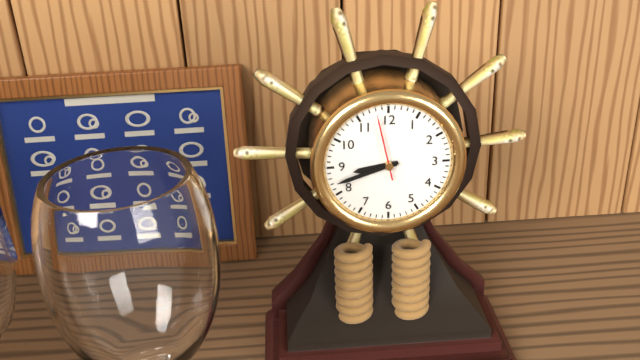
8:42:58
